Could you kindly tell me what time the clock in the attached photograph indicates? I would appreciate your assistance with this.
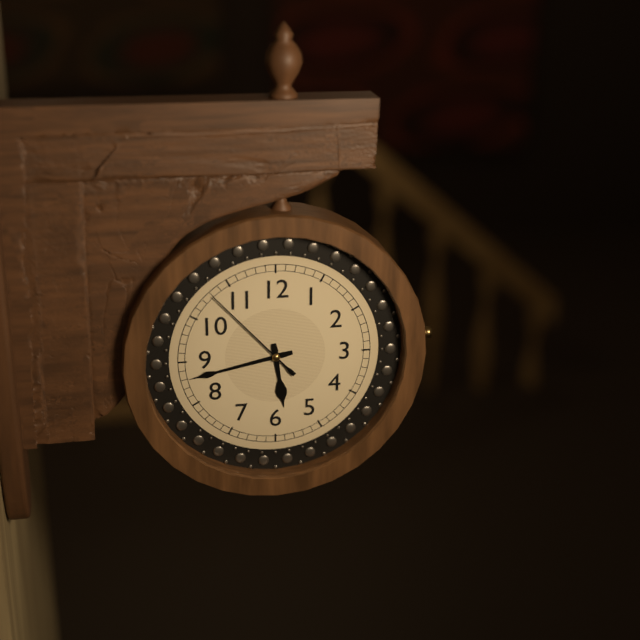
5:43:53
